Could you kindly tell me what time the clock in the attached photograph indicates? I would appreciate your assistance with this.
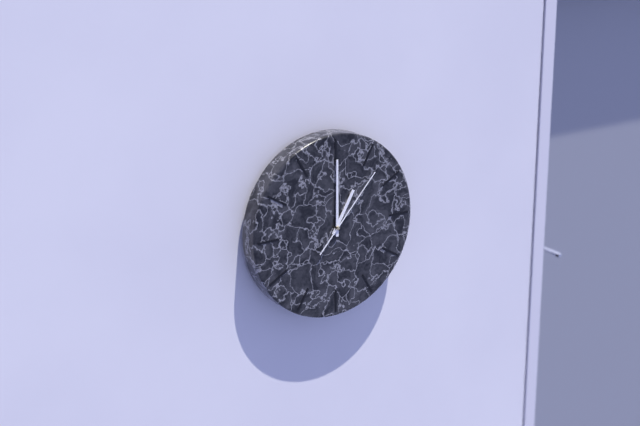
1:00:07
